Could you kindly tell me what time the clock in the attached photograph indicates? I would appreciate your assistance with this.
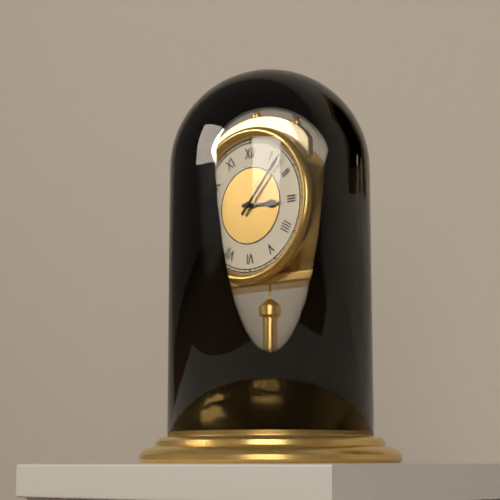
3:07
